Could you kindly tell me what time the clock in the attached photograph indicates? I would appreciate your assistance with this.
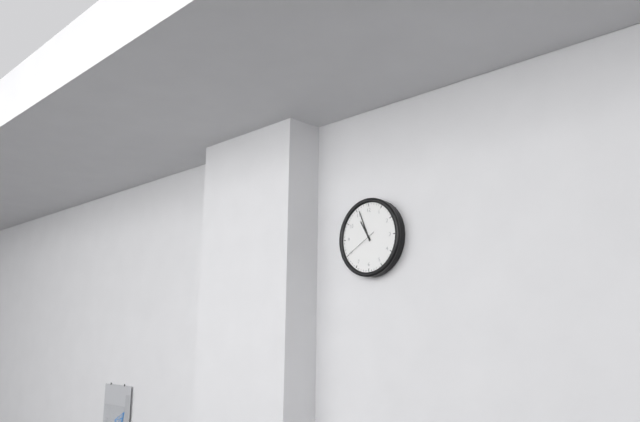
10:56
